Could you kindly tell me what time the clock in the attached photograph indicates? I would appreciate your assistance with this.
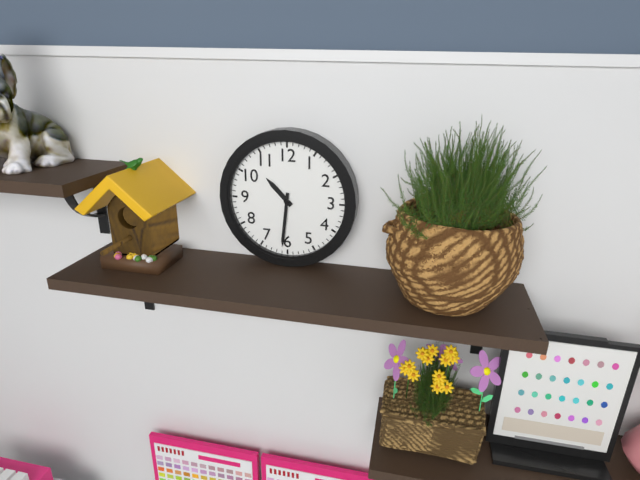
10:31
